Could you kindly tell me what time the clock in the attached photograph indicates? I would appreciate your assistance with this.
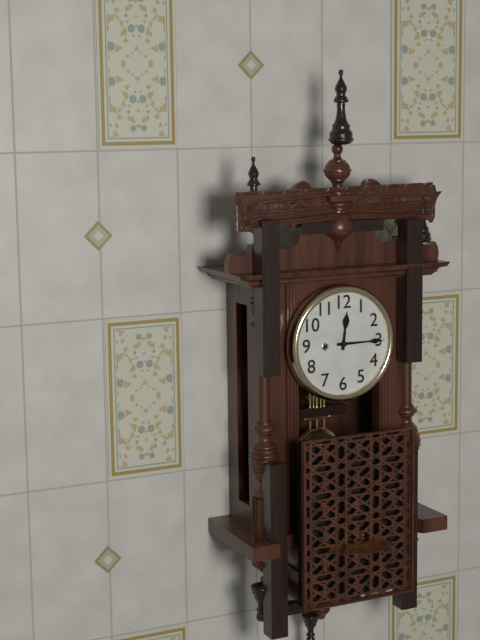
12:15
